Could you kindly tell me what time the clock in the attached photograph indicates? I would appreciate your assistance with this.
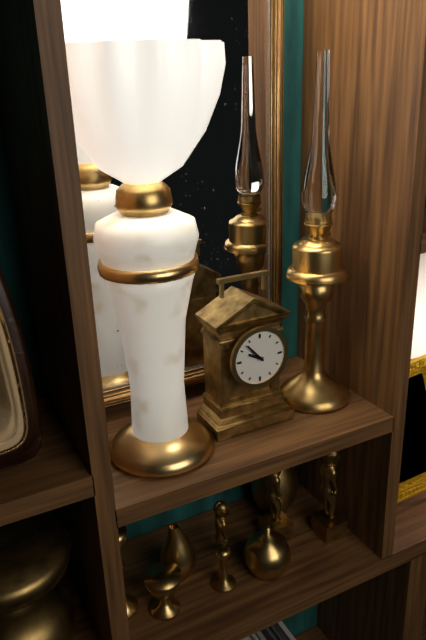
9:53
